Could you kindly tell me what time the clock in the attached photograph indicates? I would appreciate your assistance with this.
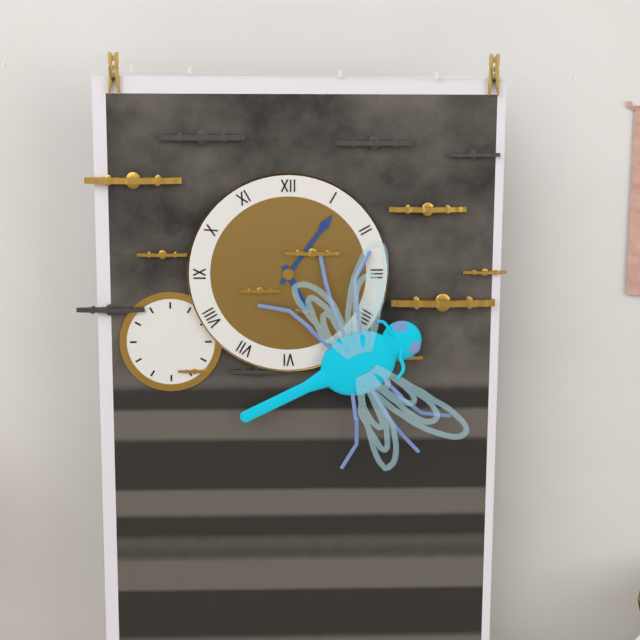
5:06
